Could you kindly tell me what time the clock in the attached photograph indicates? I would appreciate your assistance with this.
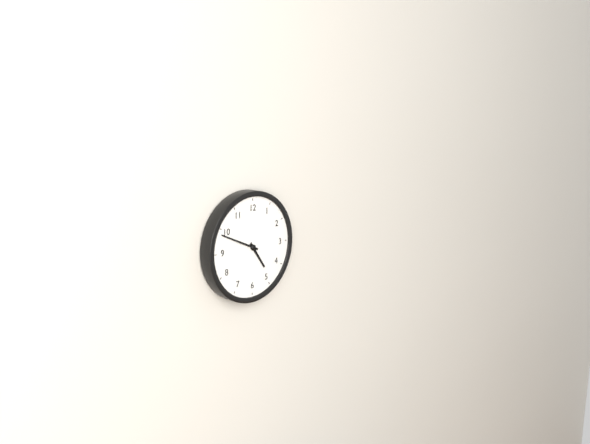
4:49
